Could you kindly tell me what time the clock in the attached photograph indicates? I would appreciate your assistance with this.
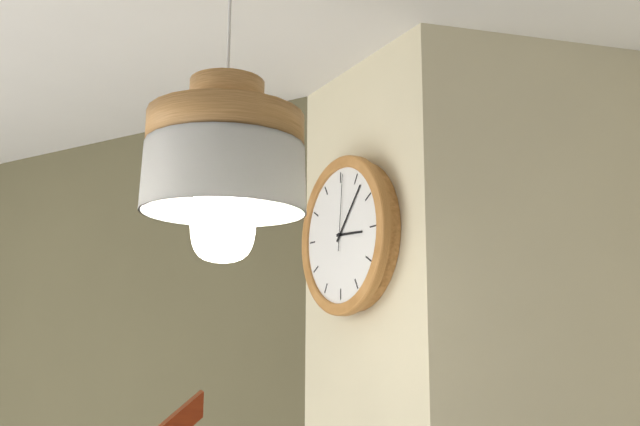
3:07:01
